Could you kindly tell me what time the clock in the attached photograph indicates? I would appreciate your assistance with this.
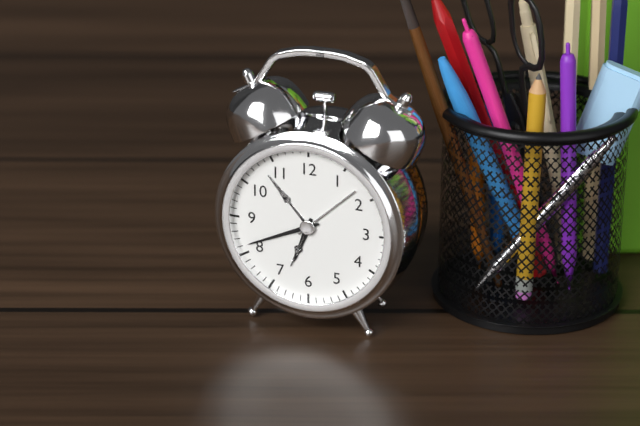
6:41
